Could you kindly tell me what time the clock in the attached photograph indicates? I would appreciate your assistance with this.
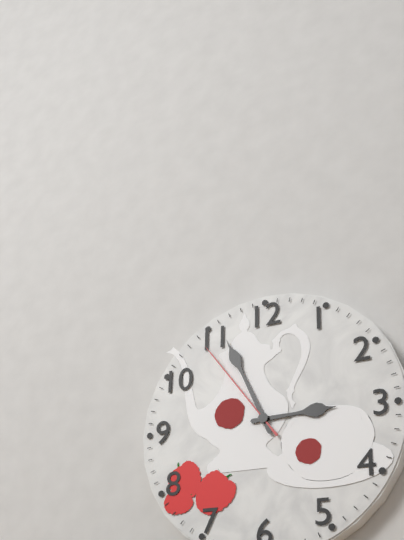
2:56:54
